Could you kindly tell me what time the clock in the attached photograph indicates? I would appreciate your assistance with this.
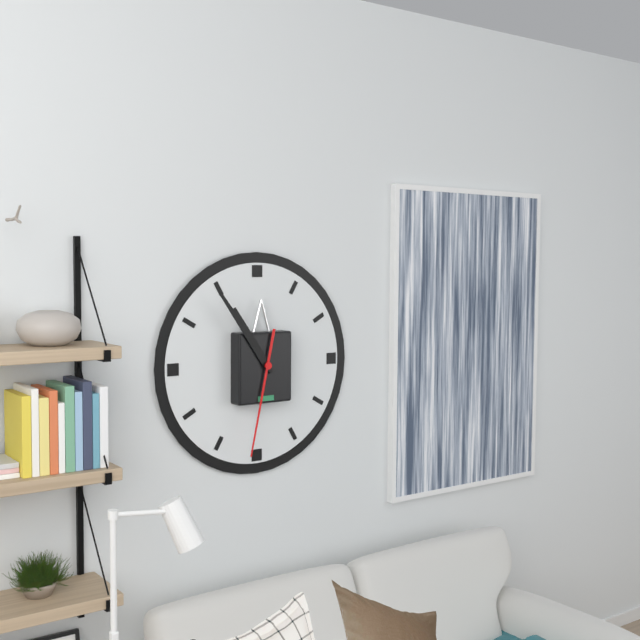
10:54:32
